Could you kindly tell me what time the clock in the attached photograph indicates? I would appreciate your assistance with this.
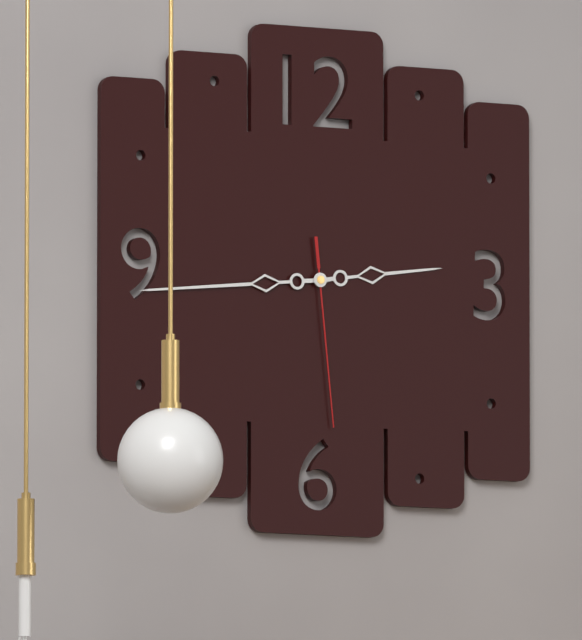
2:44:29
